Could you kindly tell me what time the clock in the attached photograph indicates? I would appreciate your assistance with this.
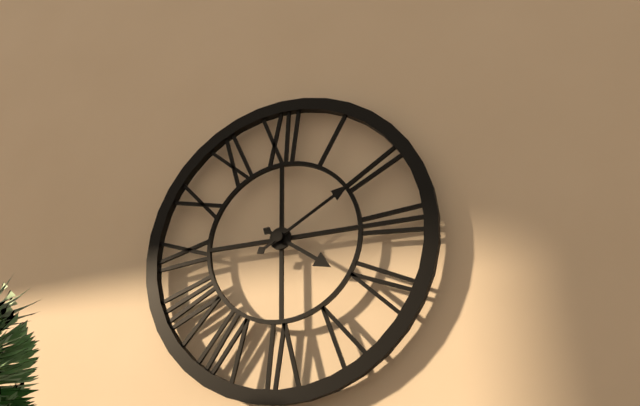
4:10
